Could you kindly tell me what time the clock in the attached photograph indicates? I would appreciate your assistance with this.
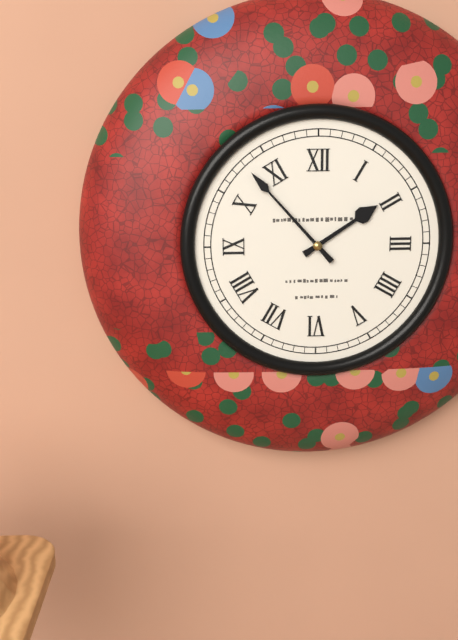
1:53
